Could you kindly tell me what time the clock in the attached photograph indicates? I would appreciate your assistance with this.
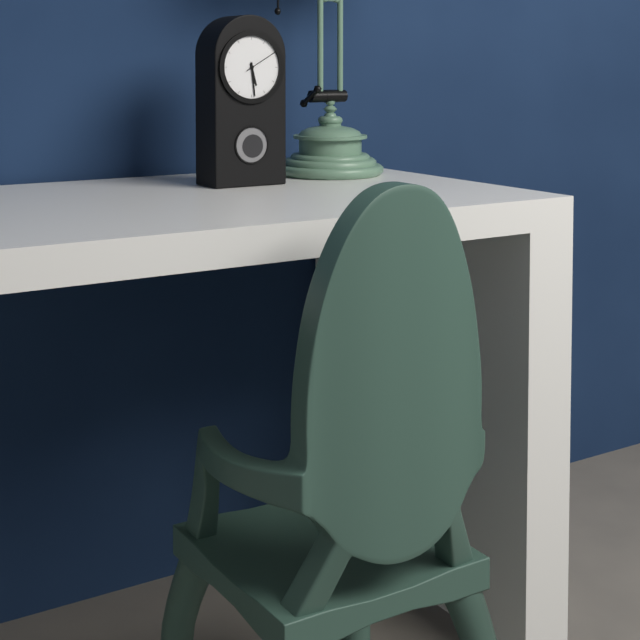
5:29
